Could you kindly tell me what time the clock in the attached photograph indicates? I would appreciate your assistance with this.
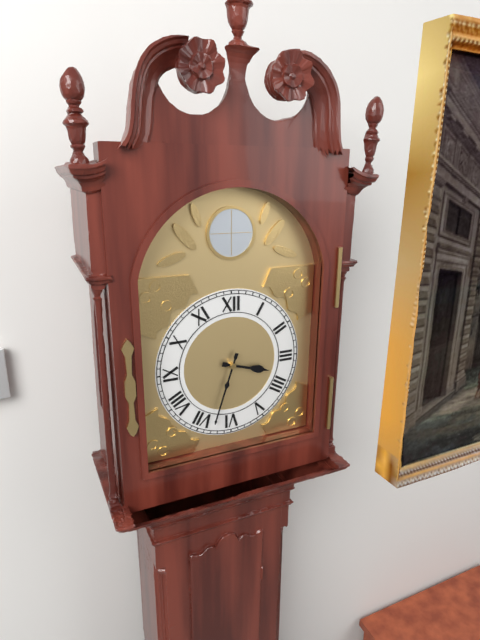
3:33
